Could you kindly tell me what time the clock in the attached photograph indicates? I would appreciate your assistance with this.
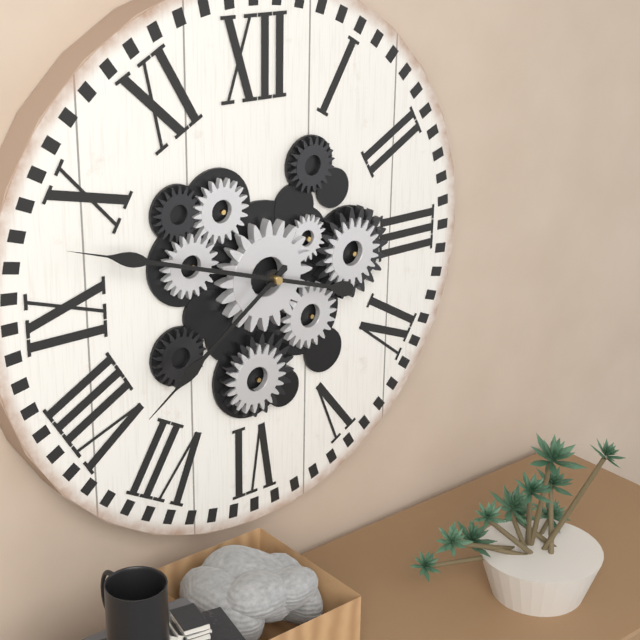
7:48
